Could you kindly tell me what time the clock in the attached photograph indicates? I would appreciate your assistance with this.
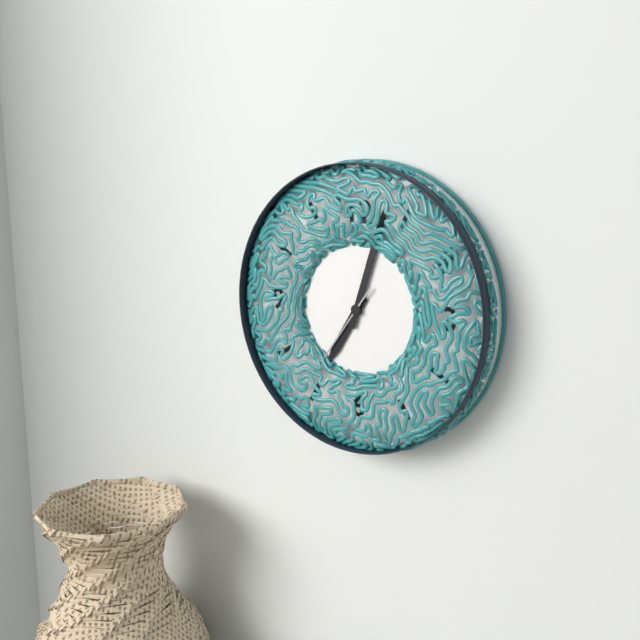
7:03:36
